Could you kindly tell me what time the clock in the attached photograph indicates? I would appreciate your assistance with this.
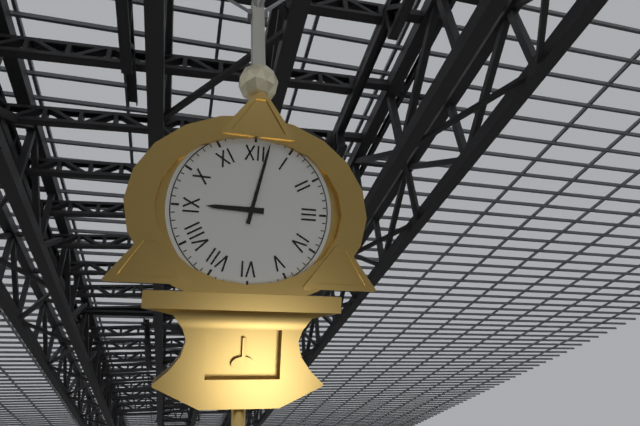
9:02
